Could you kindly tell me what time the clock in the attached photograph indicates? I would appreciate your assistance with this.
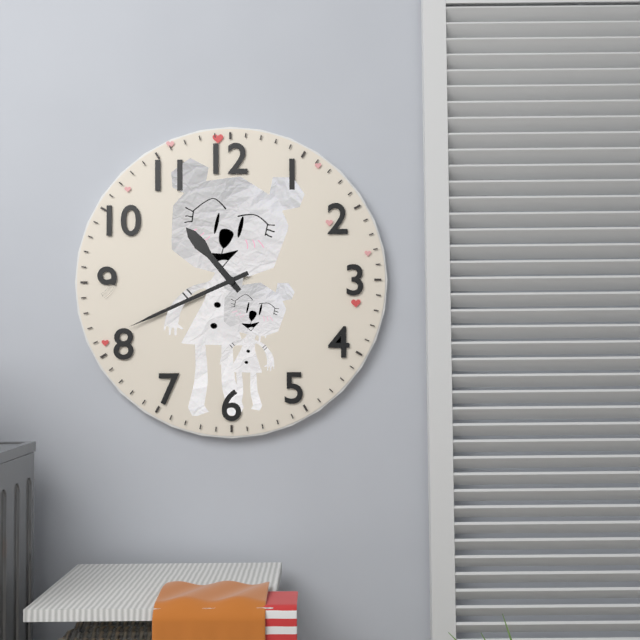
10:41
